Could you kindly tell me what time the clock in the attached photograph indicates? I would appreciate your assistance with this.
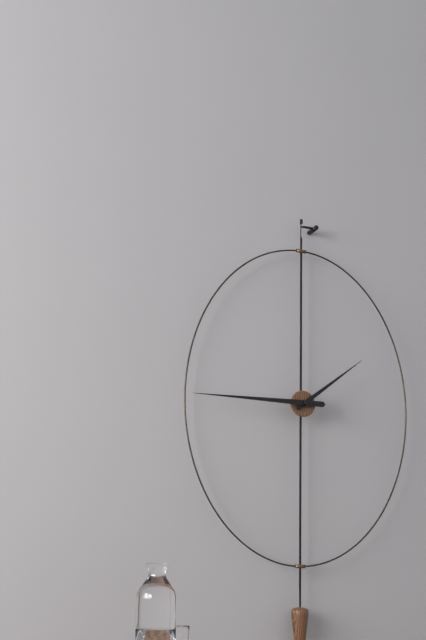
1:45
